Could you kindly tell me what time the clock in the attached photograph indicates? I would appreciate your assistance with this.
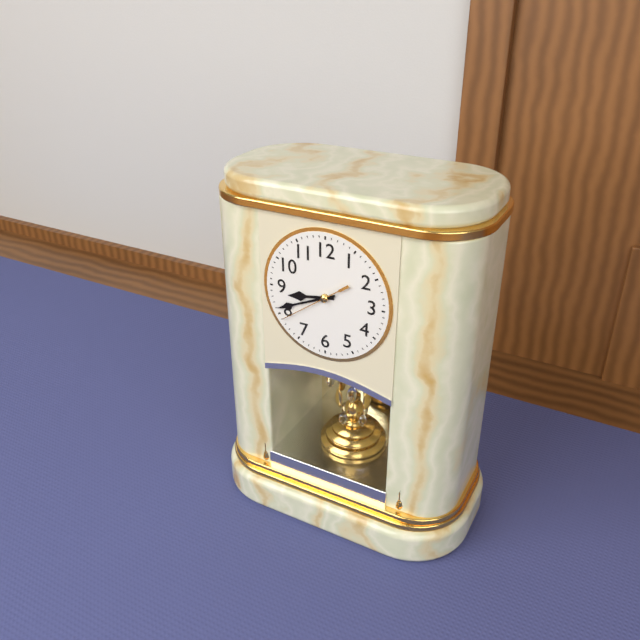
8:41:39
